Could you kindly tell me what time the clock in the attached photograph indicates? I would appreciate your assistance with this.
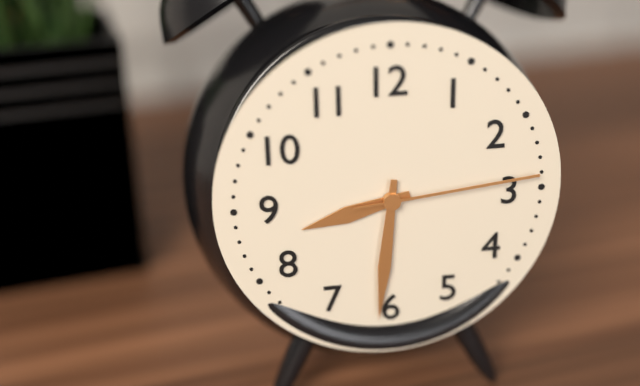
8:31:14
